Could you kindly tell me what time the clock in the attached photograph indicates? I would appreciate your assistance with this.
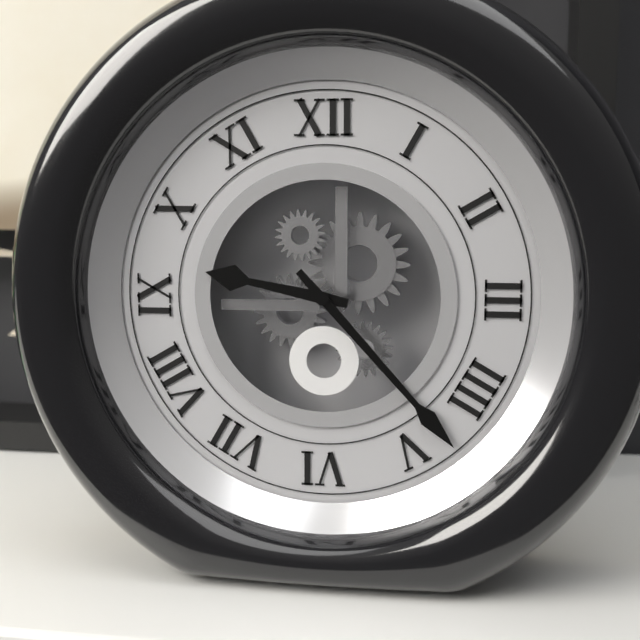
9:23
